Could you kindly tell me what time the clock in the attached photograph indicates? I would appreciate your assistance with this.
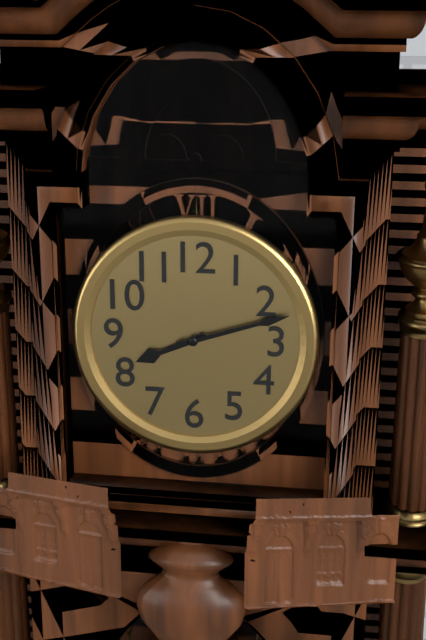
8:12
